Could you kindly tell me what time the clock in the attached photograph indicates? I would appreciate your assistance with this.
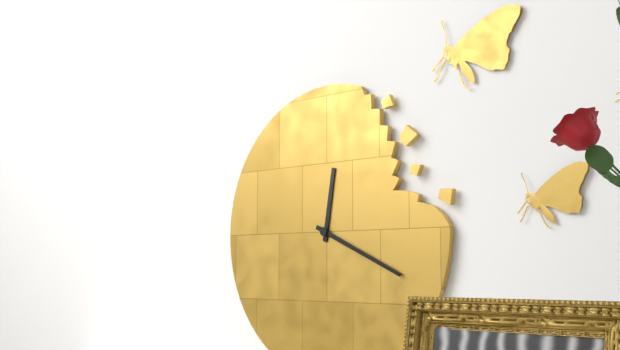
12:19
